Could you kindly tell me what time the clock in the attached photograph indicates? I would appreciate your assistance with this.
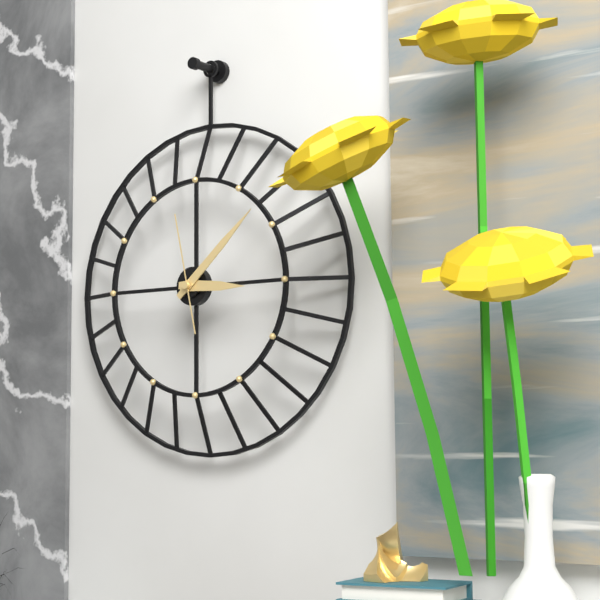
3:08:58
